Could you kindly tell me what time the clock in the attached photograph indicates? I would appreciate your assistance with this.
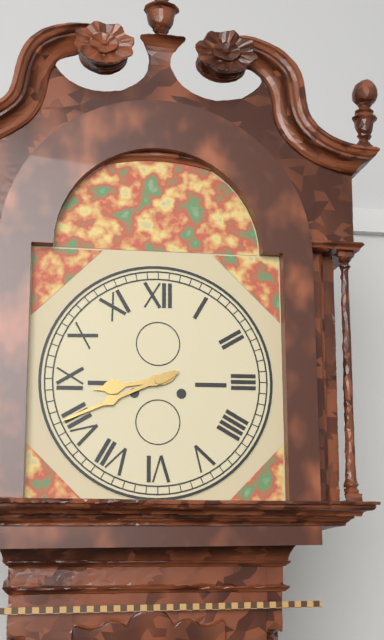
8:41
